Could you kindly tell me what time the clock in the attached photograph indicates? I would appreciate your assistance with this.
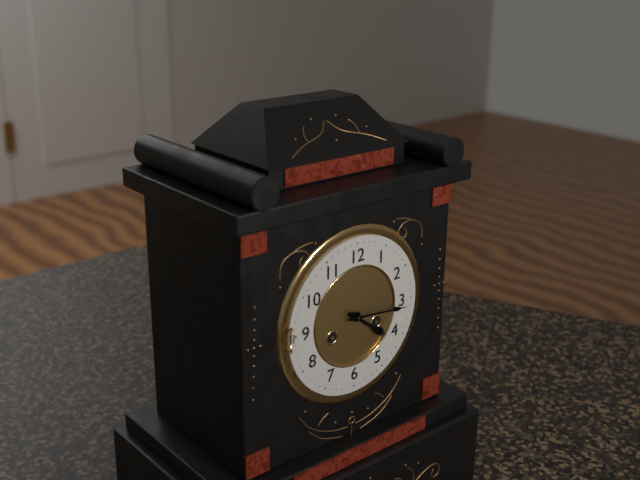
4:16
